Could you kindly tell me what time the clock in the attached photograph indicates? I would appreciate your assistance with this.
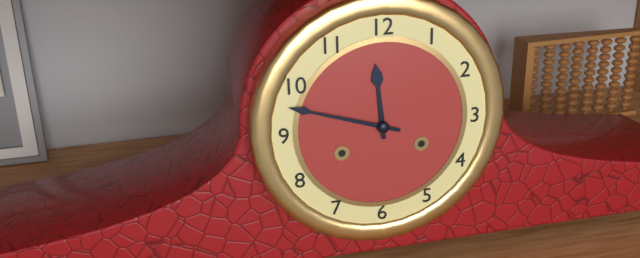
11:48
